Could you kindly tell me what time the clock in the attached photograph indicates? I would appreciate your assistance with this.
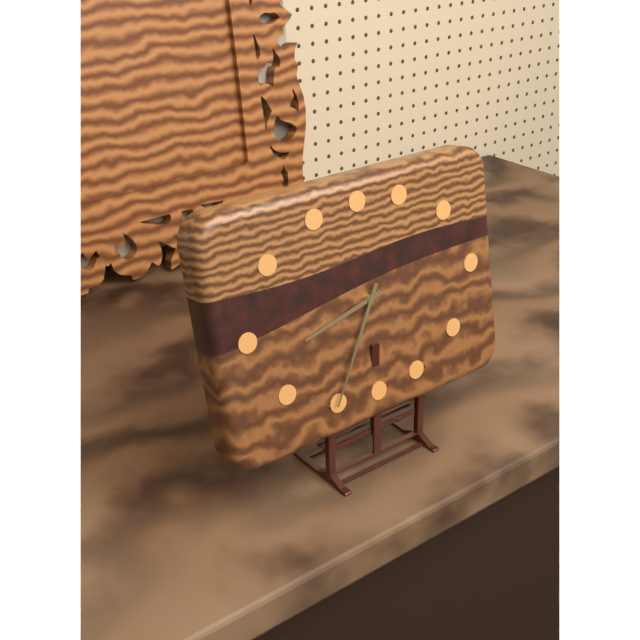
8:35
